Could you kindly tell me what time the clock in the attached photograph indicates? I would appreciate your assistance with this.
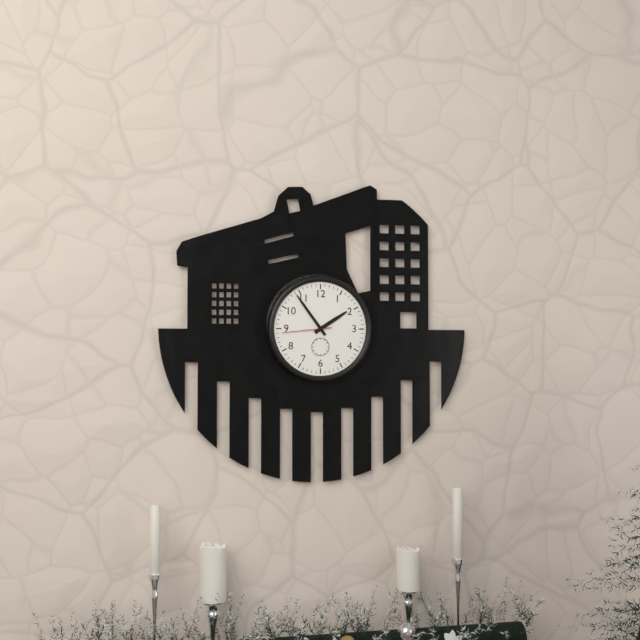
1:54
